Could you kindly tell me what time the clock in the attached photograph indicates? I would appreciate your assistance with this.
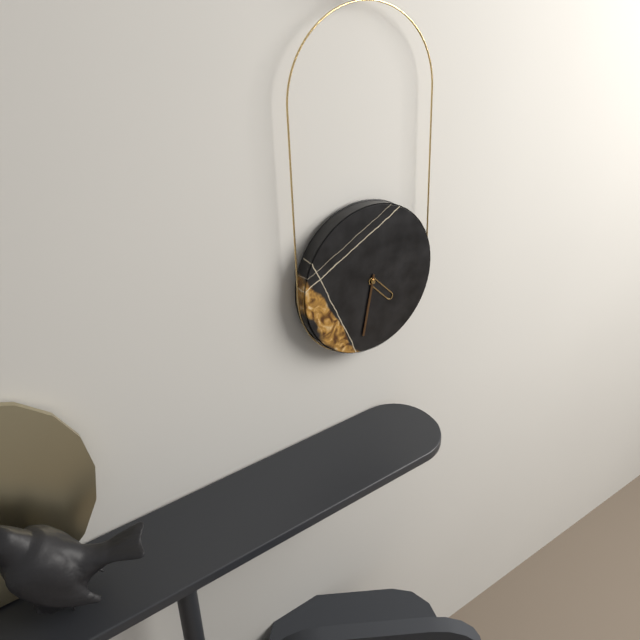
4:32
